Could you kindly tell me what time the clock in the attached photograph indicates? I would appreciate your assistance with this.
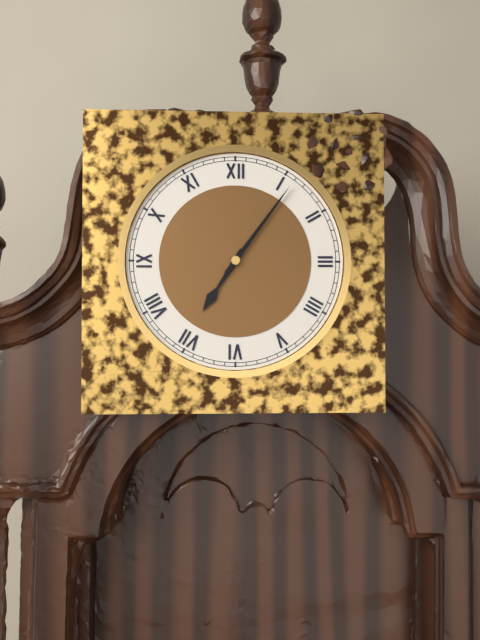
7:06
